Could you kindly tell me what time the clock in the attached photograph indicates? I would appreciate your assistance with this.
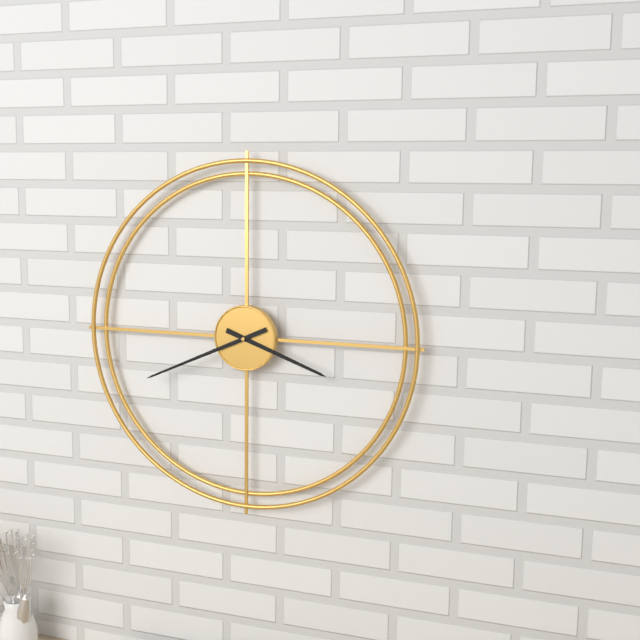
3:41
